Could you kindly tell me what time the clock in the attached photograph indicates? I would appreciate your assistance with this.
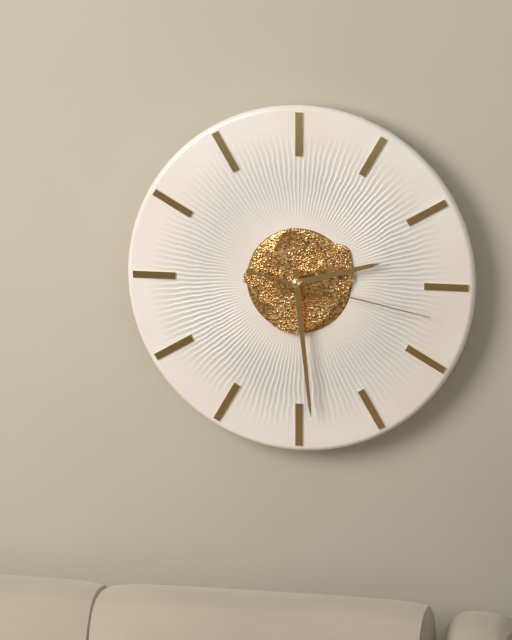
2:29:17
